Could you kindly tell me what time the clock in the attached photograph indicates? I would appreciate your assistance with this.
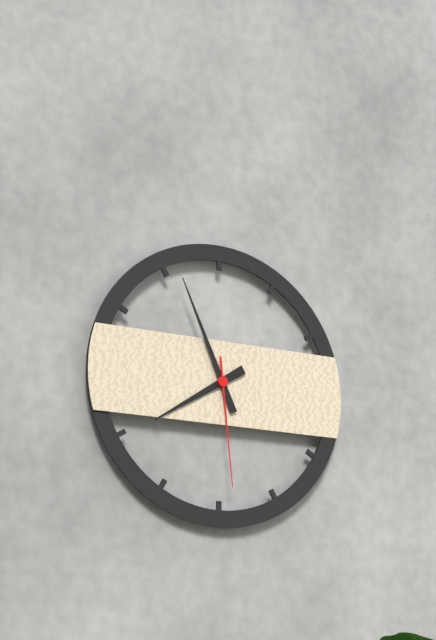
7:56:29
